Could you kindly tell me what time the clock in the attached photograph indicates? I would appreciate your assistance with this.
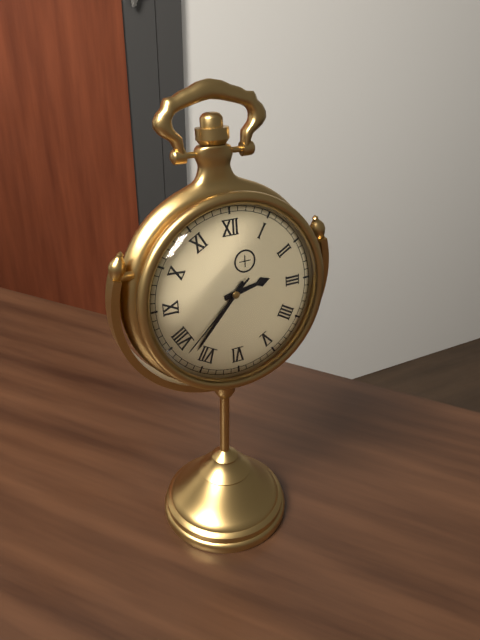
2:37:38
